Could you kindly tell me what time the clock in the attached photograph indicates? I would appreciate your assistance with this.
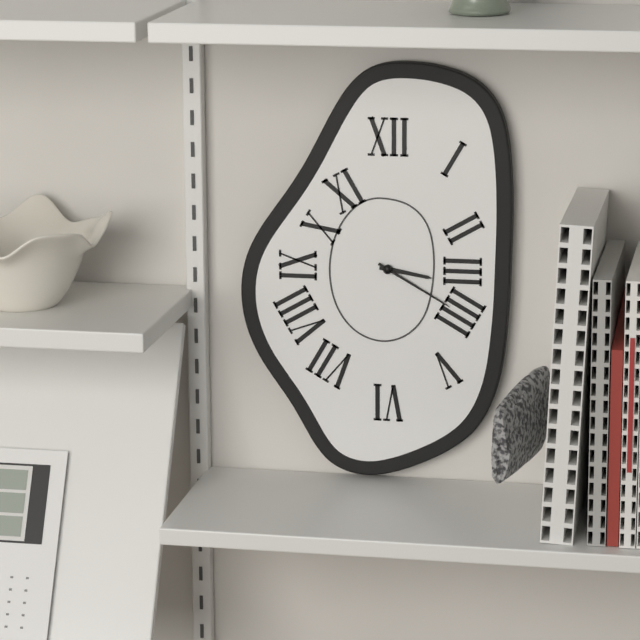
3:20
